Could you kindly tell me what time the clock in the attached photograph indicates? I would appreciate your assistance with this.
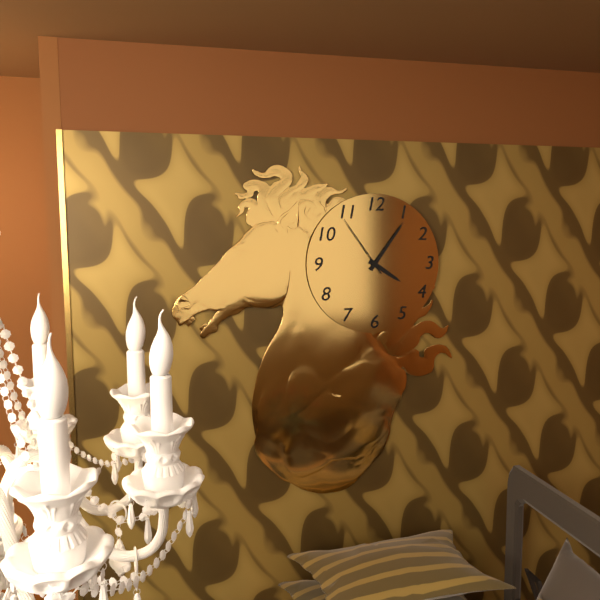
4:06:54
